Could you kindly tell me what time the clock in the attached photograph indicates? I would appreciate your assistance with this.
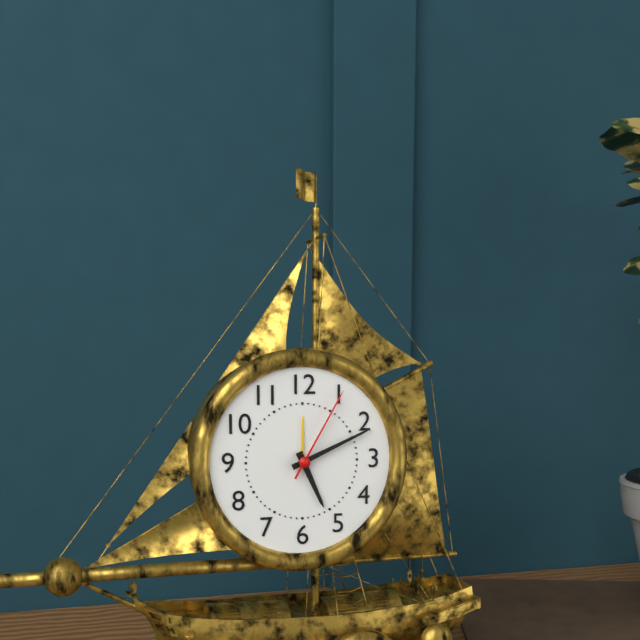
5:11:05
